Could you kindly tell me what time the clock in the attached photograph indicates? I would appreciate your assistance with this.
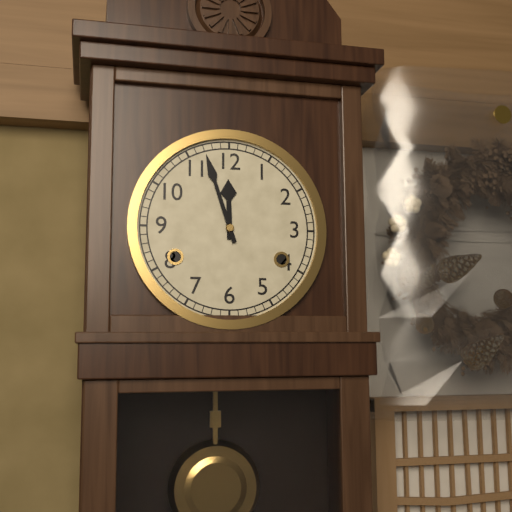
11:57
